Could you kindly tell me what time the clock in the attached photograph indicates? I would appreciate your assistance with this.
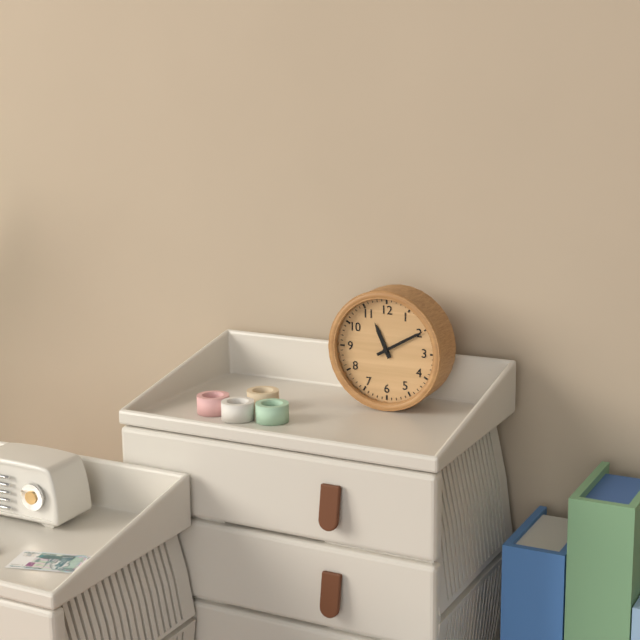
11:10
